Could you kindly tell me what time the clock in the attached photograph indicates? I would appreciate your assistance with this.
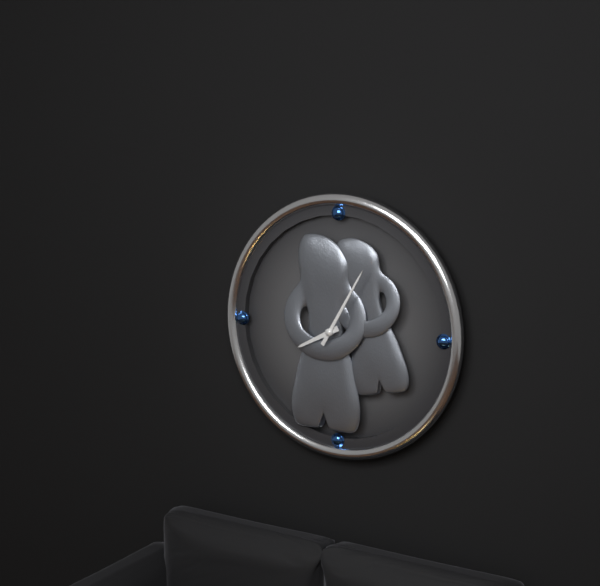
8:05
